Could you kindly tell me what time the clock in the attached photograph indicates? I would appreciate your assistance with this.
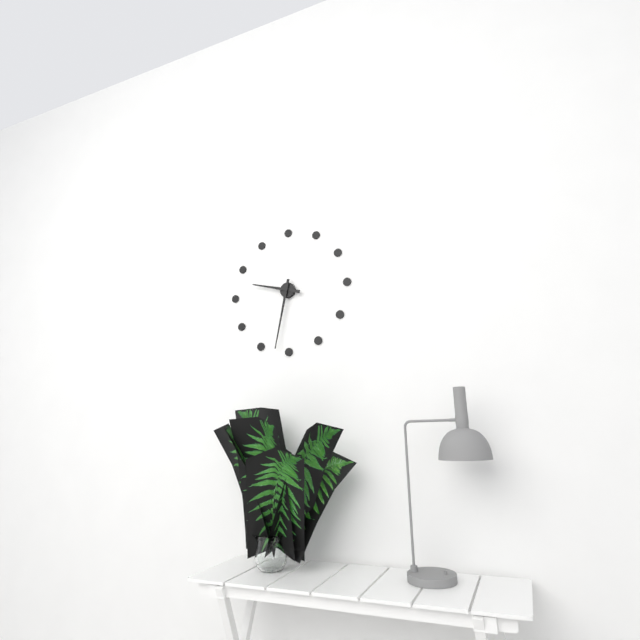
9:32
